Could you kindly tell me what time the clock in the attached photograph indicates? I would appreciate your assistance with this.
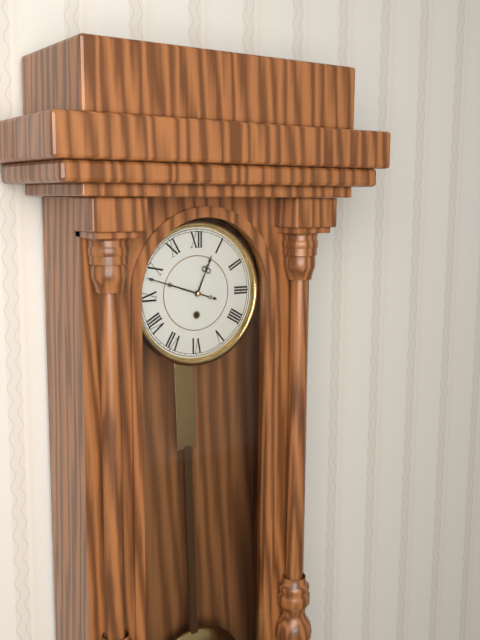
12:48
